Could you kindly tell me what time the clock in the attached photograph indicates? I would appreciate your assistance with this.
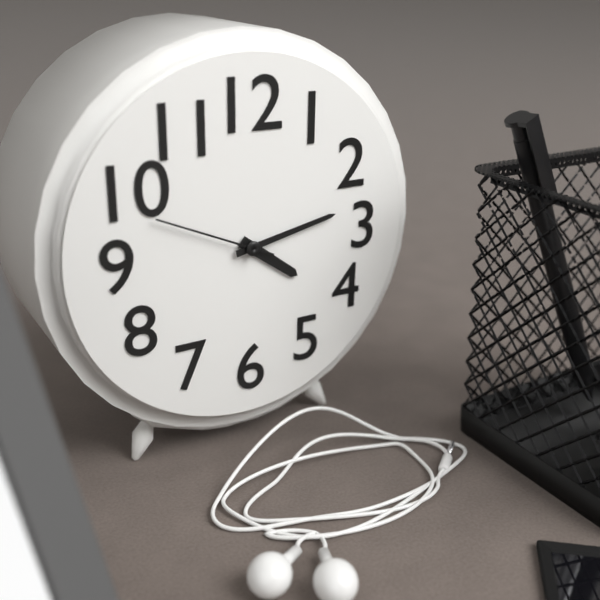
4:13:49
